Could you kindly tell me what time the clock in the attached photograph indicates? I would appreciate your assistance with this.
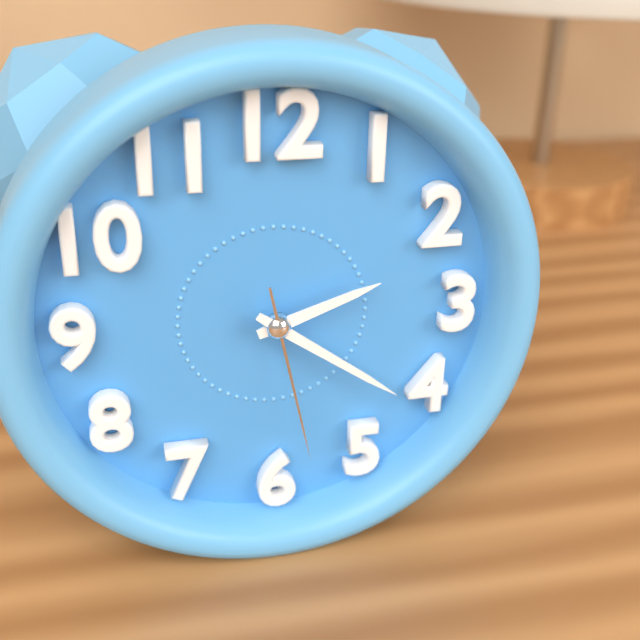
2:21:28
